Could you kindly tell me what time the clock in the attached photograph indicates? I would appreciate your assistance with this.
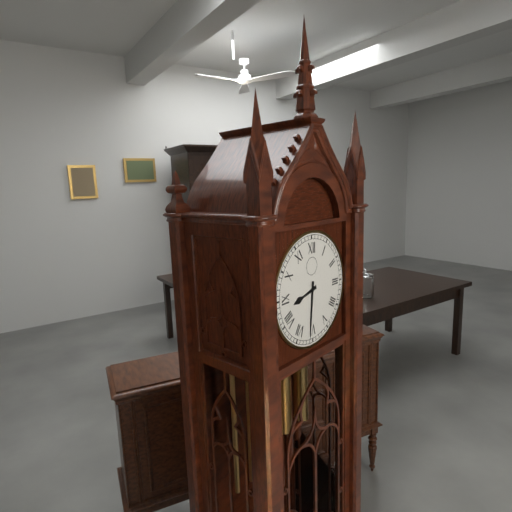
8:31
